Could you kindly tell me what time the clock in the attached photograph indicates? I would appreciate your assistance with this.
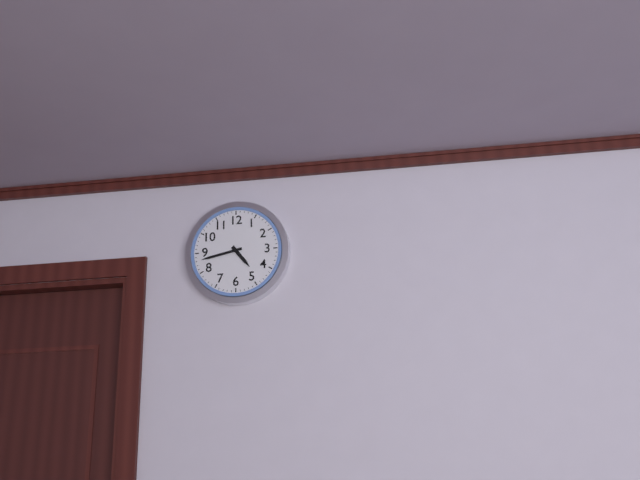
4:43
